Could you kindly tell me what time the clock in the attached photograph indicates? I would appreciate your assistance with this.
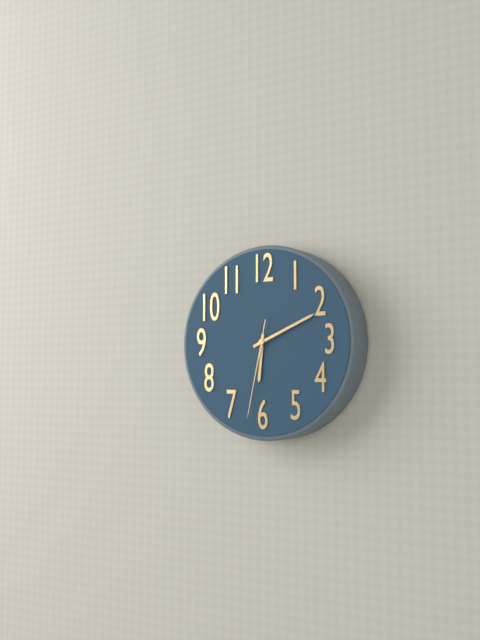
6:11:32
